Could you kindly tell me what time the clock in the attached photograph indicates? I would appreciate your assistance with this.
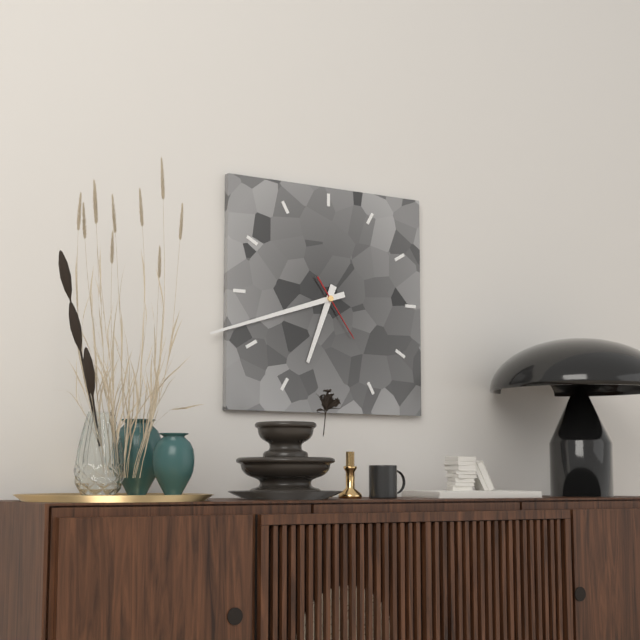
6:42:24
